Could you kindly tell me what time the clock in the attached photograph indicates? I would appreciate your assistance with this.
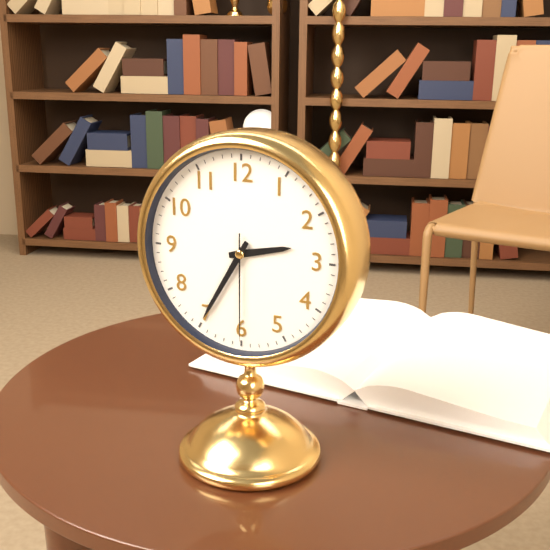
2:35:30
